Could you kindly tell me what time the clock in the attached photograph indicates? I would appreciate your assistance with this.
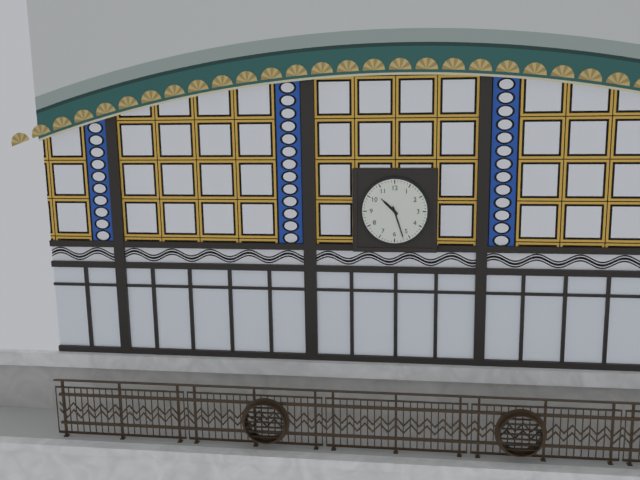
10:27
